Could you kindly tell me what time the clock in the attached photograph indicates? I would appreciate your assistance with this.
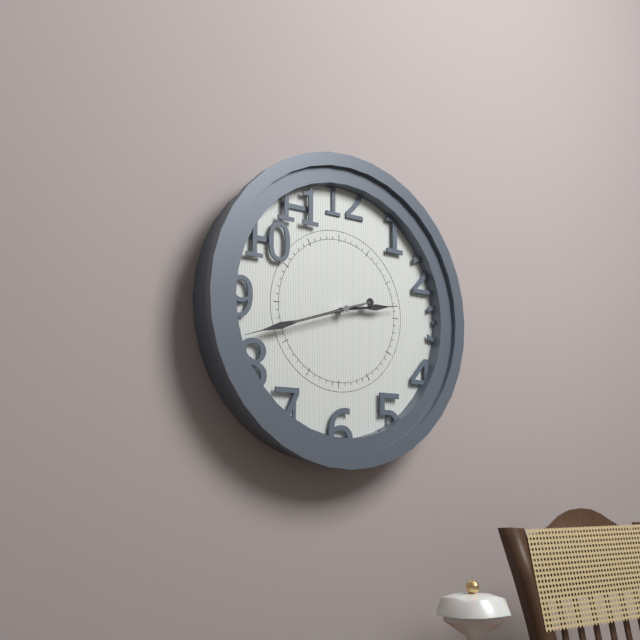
2:42:42
